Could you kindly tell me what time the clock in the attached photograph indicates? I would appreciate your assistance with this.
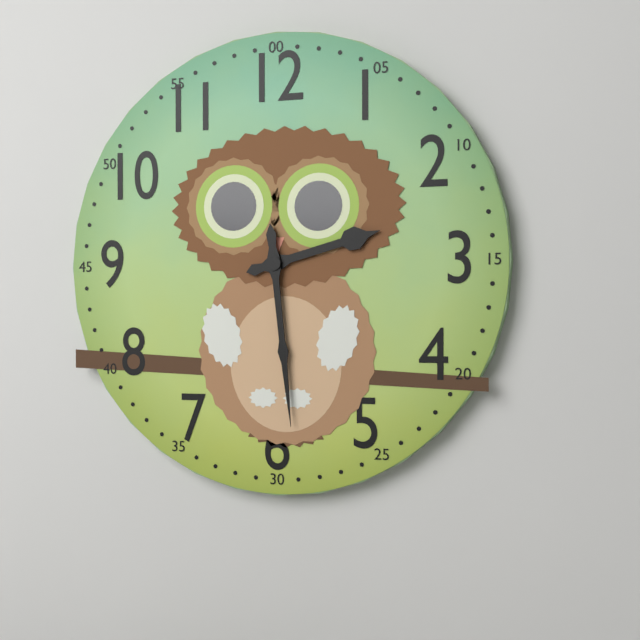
2:29
